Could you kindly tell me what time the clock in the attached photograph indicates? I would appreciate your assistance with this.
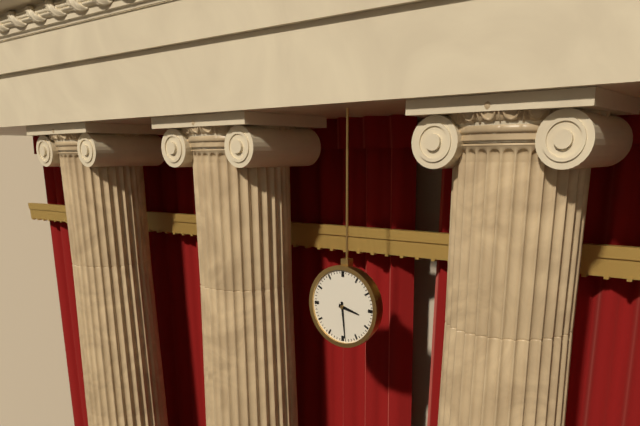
3:29
